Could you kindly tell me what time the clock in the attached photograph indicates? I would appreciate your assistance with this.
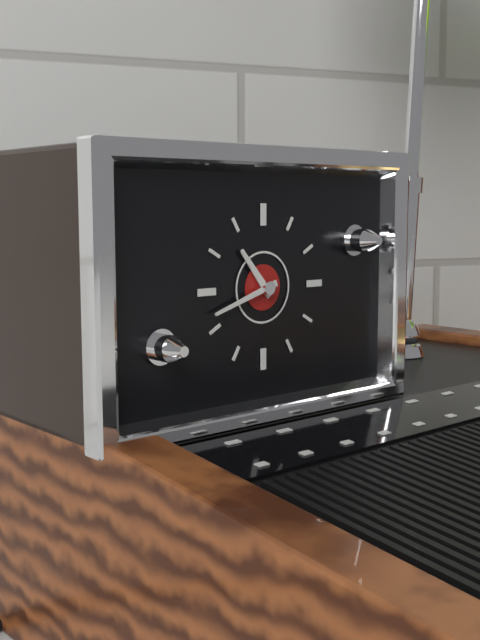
10:42
